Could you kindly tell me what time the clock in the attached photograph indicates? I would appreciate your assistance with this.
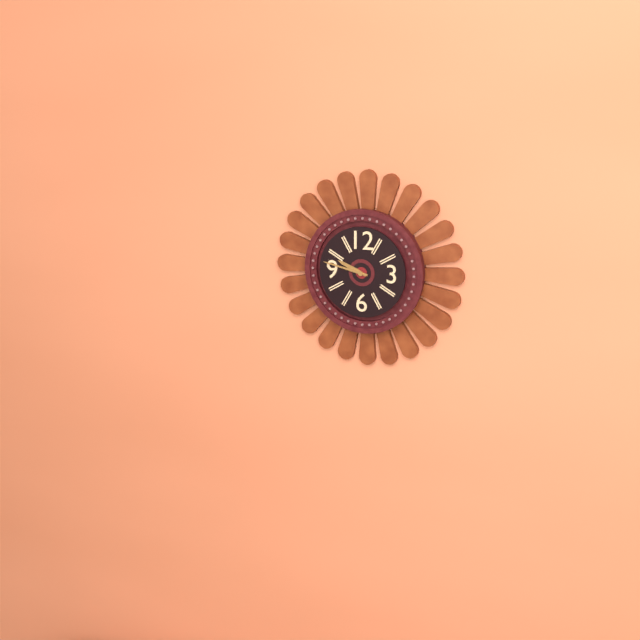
9:47
